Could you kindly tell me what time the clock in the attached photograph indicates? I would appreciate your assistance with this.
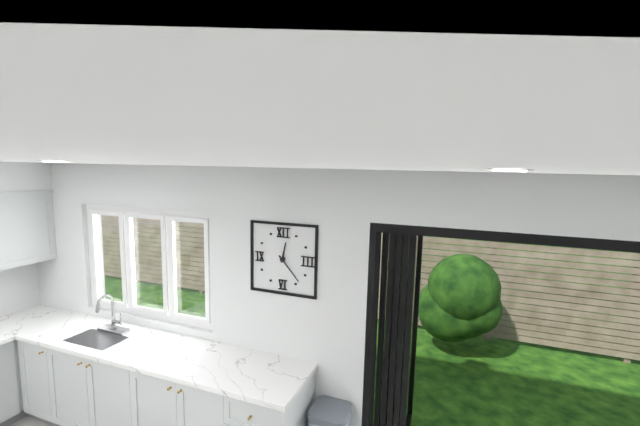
12:23
